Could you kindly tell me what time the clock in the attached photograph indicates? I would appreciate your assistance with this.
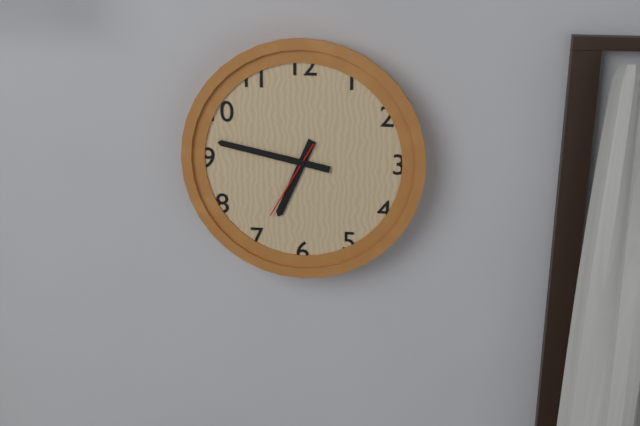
6:47:35
